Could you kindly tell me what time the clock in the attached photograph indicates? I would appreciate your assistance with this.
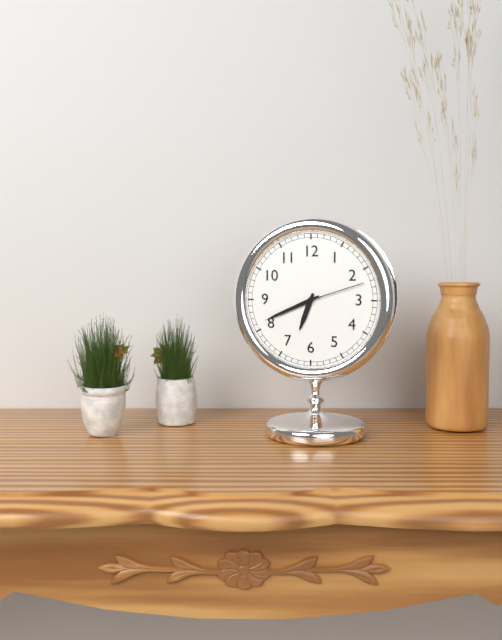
6:41:12
